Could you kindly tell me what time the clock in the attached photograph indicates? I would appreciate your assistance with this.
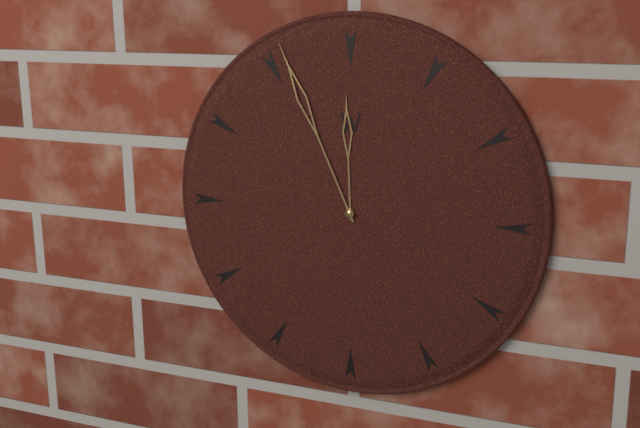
11:56
